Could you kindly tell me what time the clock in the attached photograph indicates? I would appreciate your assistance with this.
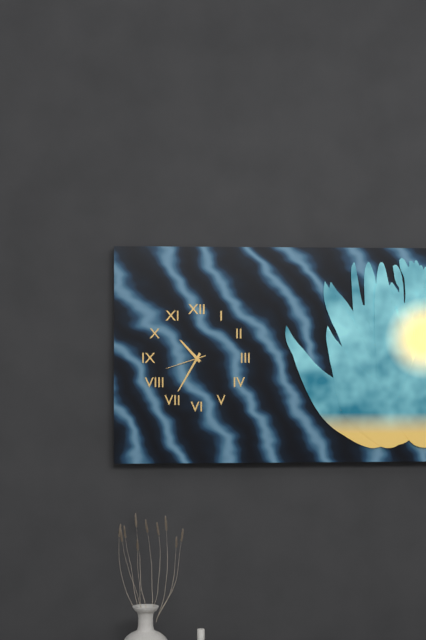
10:35
